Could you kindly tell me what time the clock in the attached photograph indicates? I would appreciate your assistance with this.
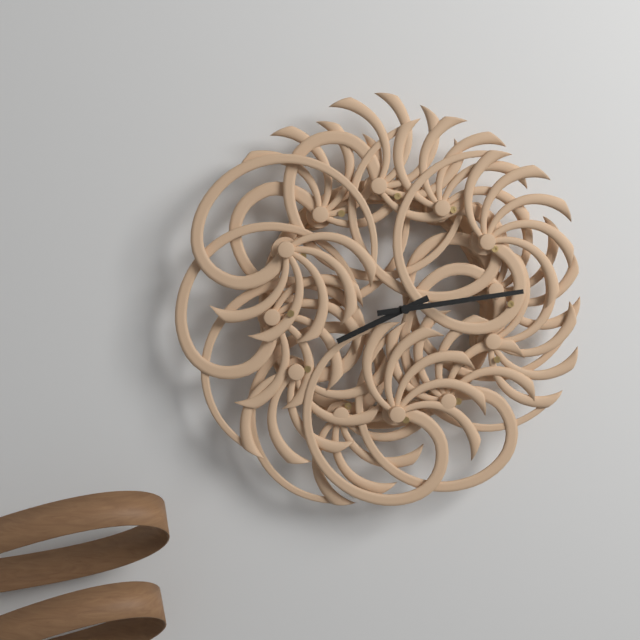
8:14
